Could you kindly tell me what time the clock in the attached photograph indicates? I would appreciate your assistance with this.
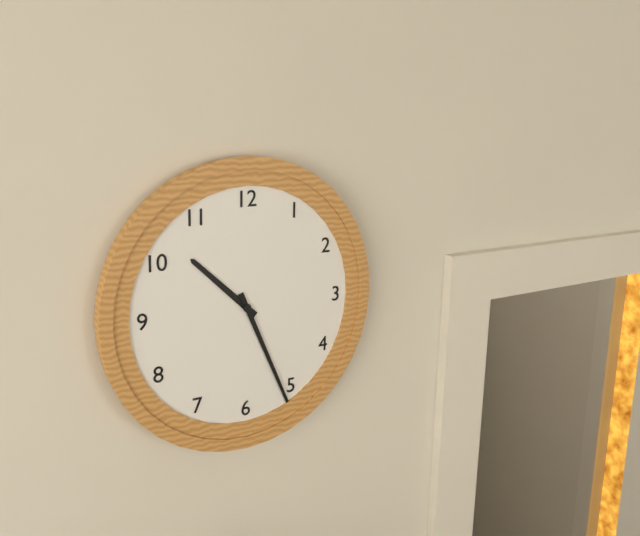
10:26
